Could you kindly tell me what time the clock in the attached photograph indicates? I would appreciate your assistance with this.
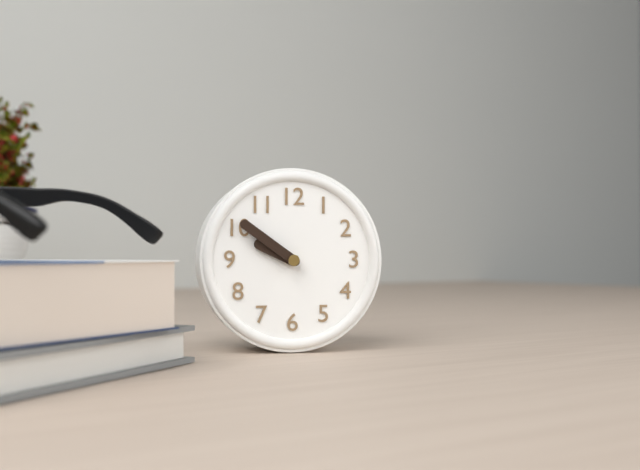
9:51
